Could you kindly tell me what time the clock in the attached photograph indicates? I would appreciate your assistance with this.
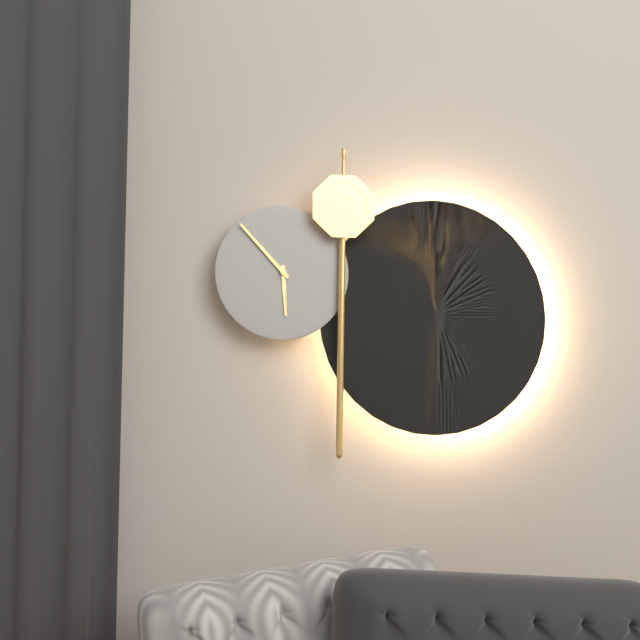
5:53
